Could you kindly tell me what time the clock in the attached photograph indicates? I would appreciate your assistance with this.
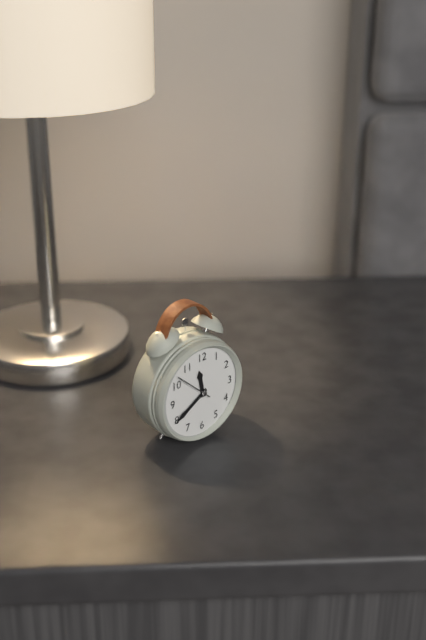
11:40
